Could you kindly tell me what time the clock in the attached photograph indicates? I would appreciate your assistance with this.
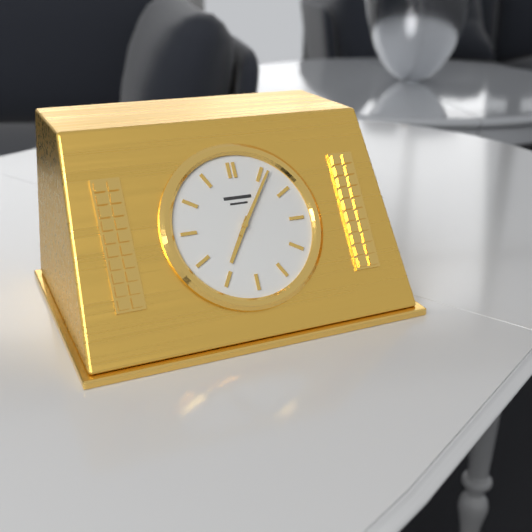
7:06
